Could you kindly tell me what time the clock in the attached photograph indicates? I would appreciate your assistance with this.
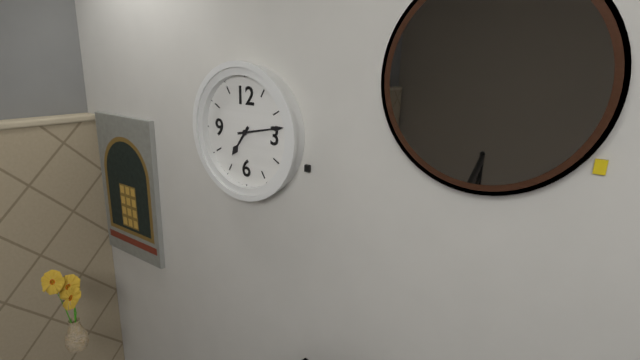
7:13
